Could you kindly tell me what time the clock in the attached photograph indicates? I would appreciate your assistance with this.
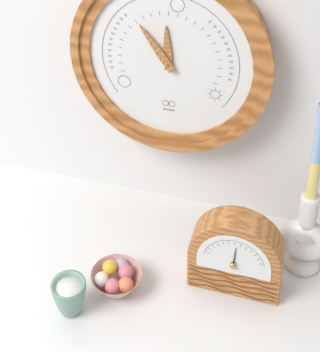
11:54
